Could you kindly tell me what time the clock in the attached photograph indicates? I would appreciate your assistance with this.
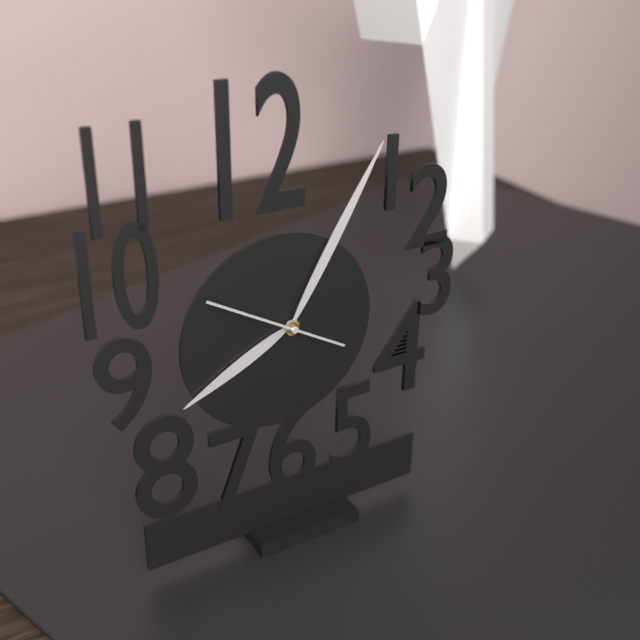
8:05:50
